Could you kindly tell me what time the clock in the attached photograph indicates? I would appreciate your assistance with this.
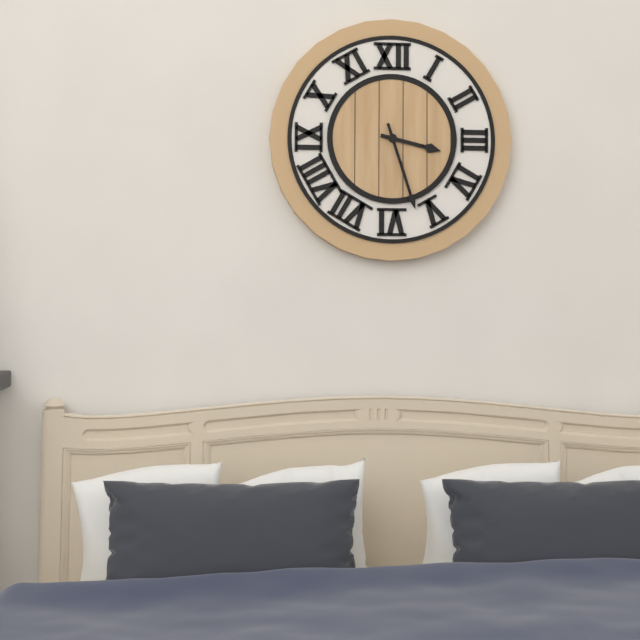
3:27
